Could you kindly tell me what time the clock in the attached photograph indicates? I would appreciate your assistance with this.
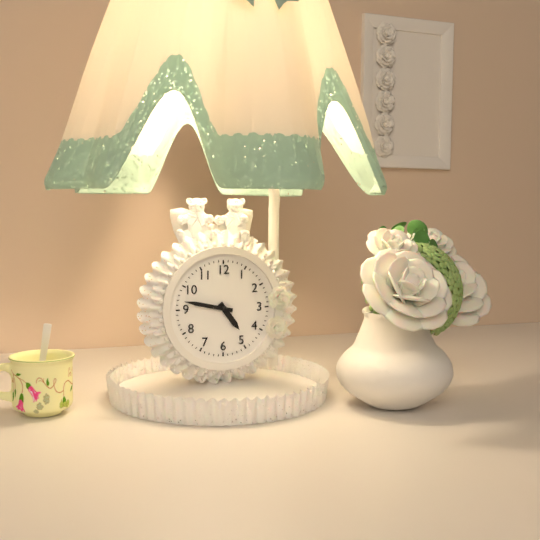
4:47
